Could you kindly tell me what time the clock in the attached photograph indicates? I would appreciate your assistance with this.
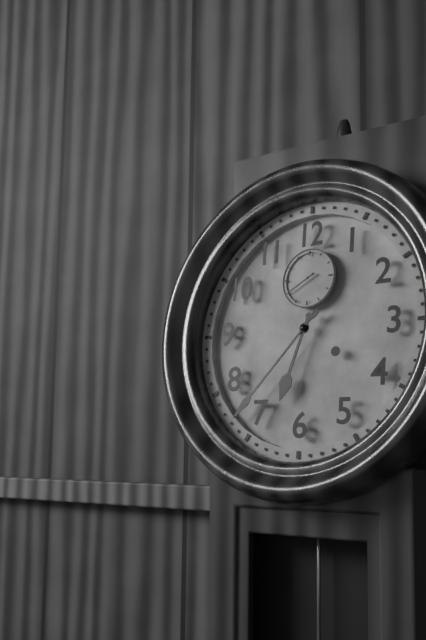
6:37
